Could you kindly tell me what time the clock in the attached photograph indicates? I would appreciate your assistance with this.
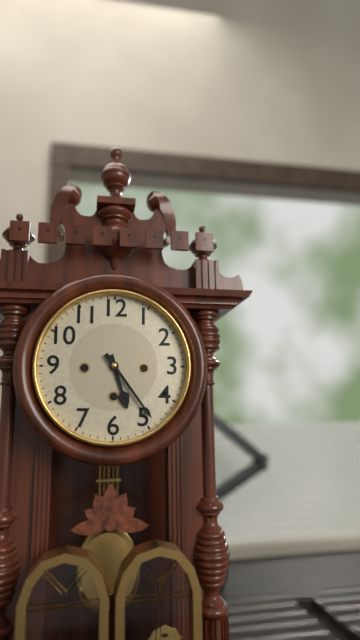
5:24
